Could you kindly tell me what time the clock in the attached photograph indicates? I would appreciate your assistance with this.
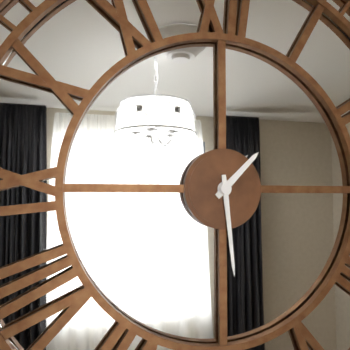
1:29
